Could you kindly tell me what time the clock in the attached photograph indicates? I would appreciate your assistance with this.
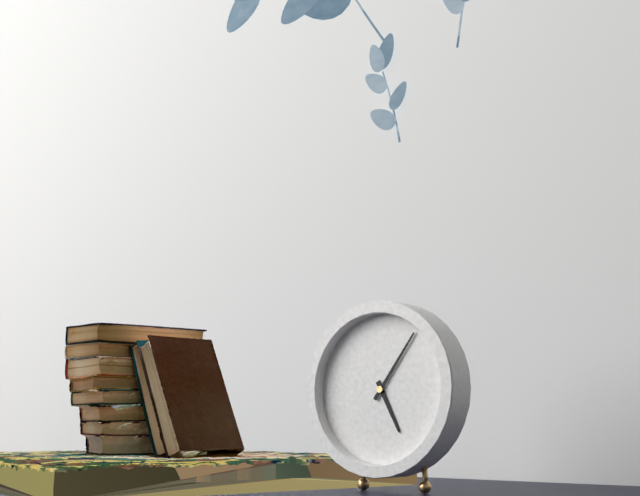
5:06
